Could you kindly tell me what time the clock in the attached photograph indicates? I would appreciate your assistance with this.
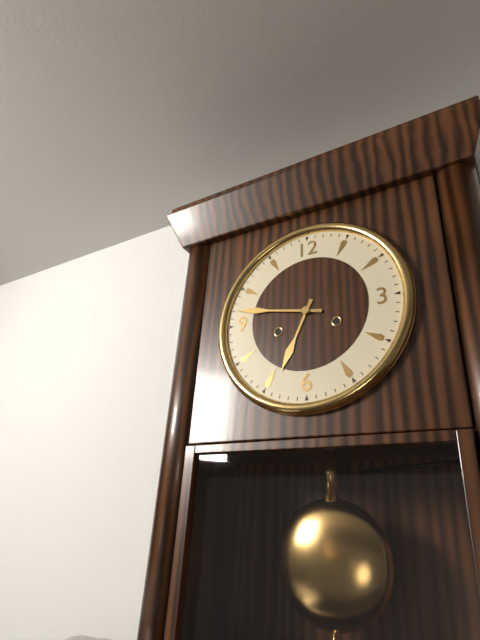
6:47
